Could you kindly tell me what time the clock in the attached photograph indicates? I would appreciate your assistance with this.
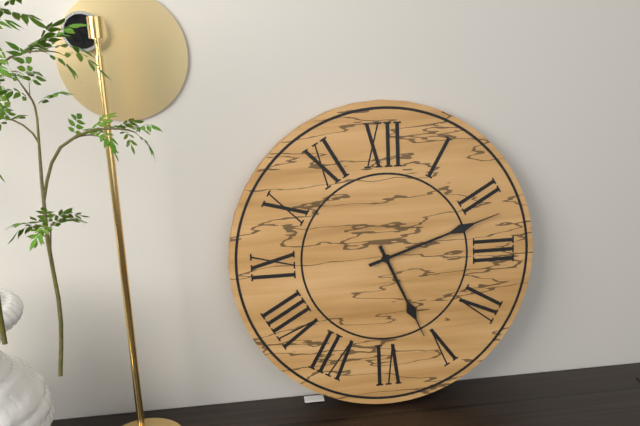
5:12
